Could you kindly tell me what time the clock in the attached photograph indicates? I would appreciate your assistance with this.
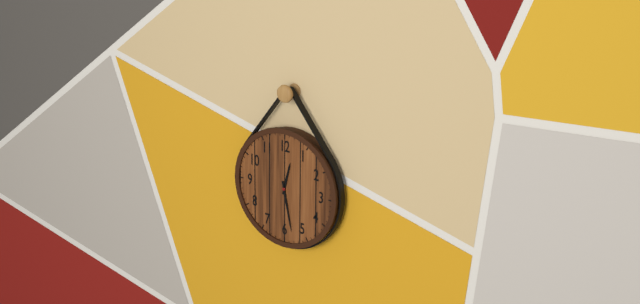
12:28
